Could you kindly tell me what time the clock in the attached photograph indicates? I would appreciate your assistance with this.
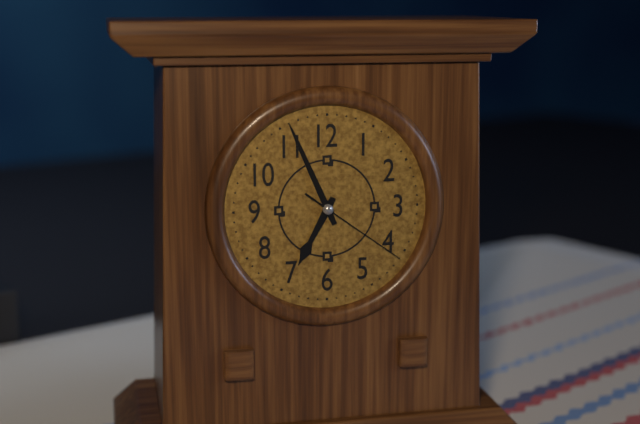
6:56:21
